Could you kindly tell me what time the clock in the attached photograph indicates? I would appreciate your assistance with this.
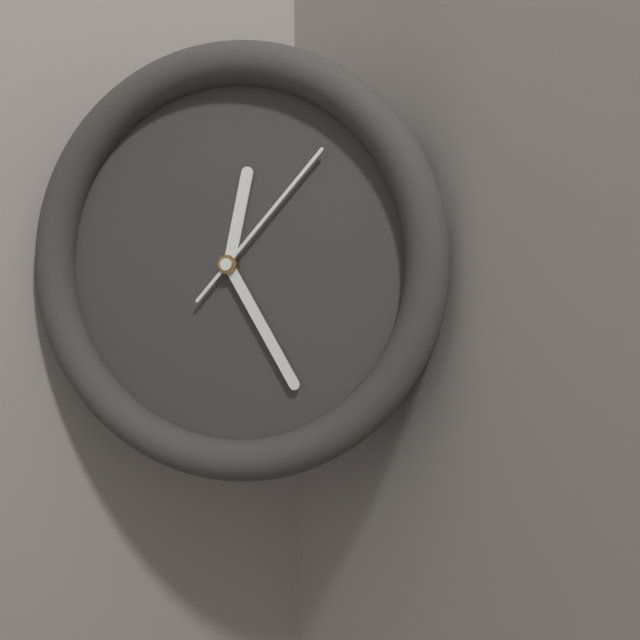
12:25:07
